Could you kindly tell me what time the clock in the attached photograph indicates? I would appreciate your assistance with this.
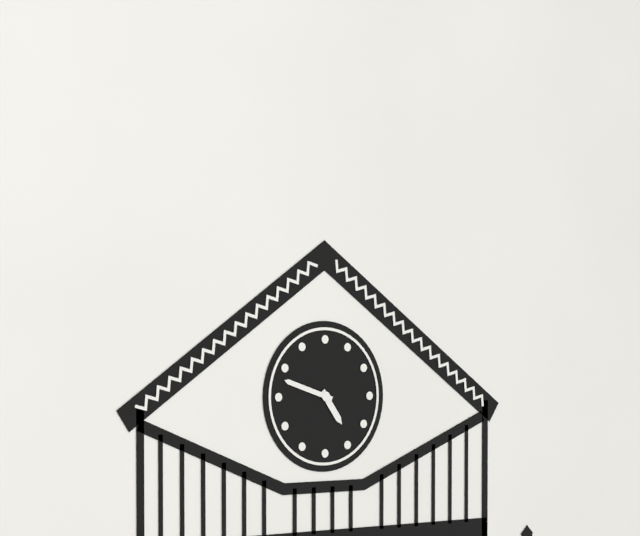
4:48
